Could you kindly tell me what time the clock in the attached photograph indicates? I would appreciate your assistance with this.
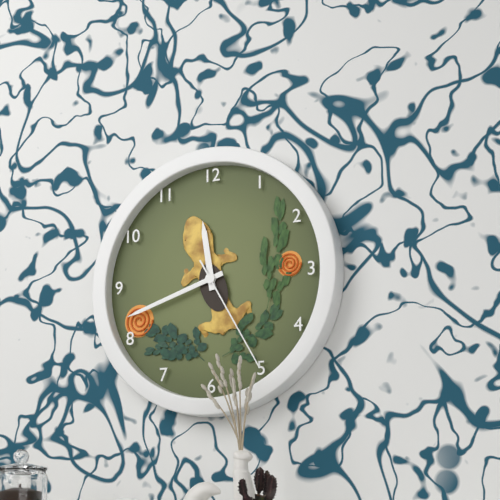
11:42:25
